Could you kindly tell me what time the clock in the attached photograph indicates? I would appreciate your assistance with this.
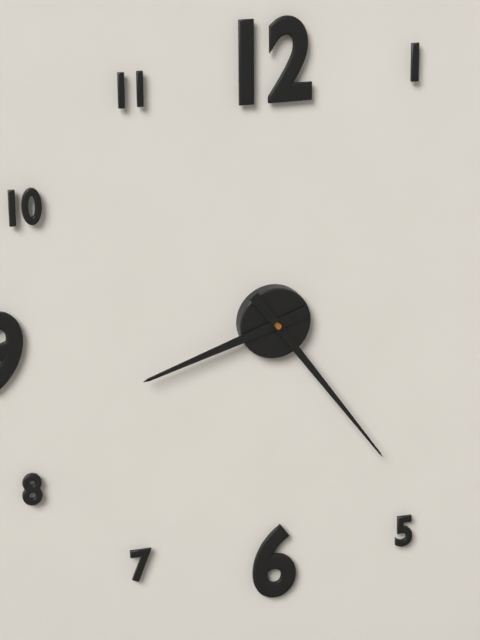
8:24
